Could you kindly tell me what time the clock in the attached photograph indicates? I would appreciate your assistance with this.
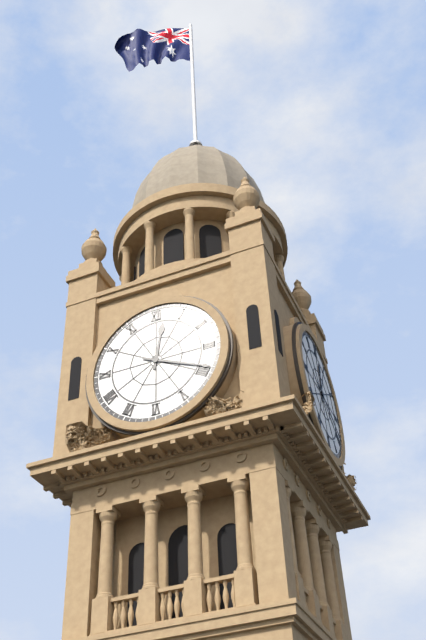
12:19
